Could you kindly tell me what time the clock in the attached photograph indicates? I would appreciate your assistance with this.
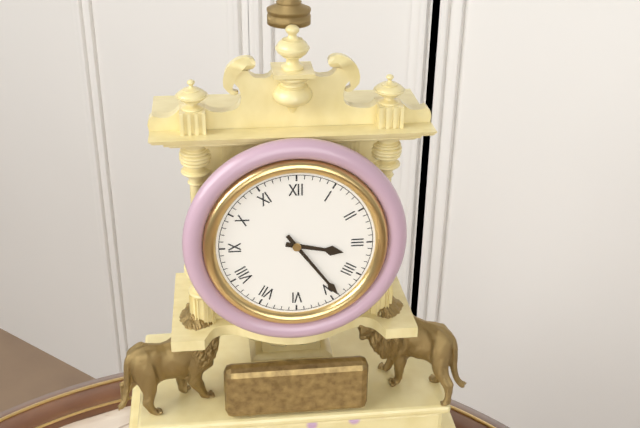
3:24
